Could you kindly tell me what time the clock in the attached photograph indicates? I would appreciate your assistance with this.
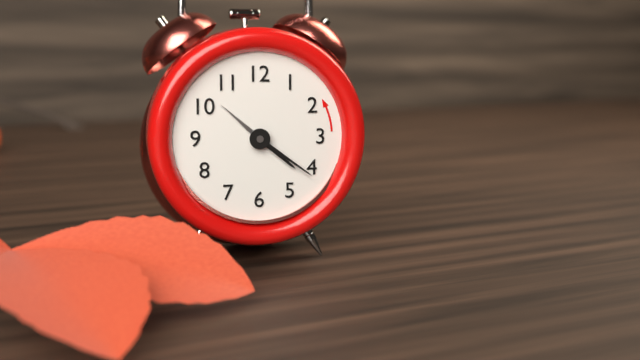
4:21:52
